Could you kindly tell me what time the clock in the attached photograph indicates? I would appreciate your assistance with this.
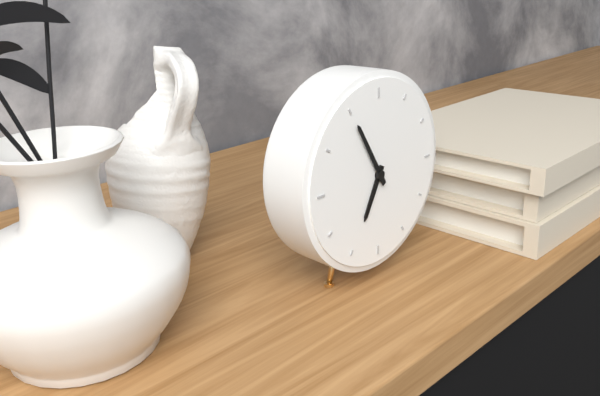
6:55
